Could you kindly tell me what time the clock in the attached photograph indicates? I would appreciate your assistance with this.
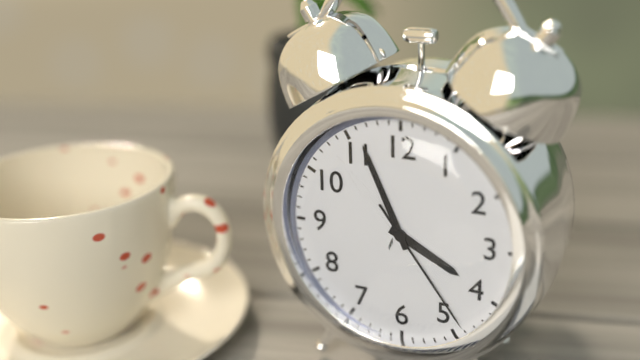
3:56:24
